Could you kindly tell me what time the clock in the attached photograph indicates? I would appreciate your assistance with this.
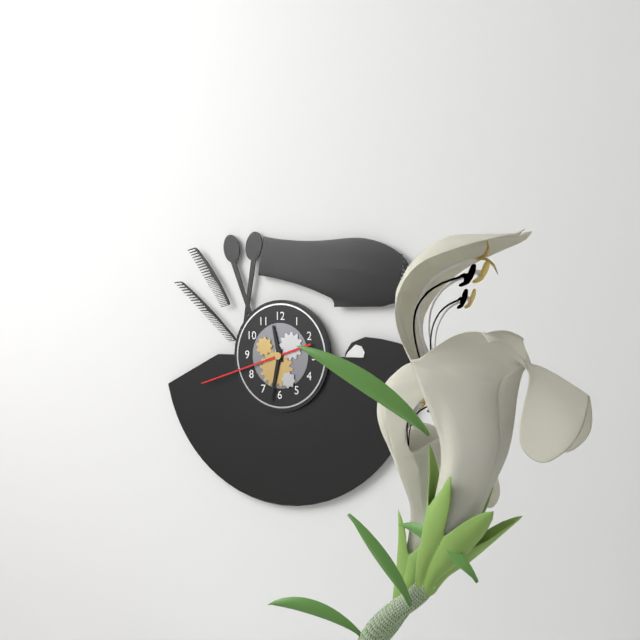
11:32:42
